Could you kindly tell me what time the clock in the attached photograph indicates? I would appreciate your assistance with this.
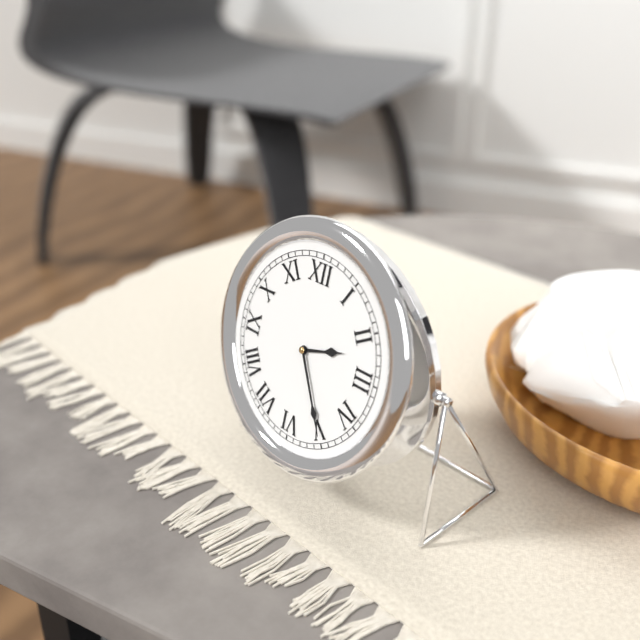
2:25
